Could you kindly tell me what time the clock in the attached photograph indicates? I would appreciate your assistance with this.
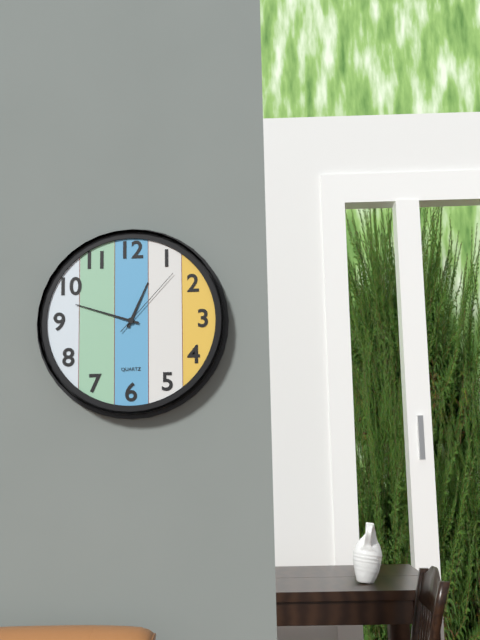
12:48:07
